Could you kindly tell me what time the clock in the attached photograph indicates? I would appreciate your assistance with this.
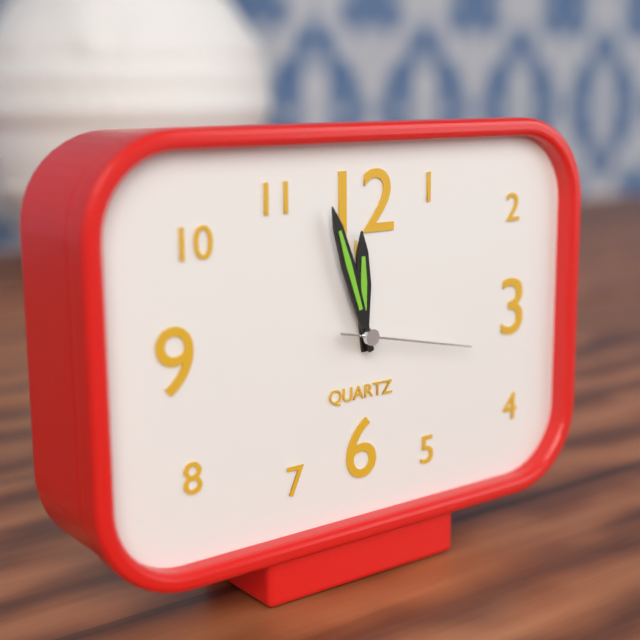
11:57:17
